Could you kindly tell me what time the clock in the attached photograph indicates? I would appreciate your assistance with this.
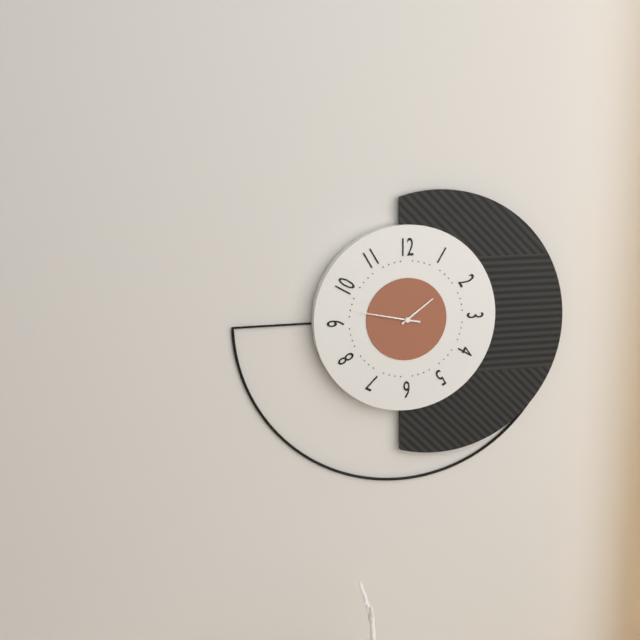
1:47
